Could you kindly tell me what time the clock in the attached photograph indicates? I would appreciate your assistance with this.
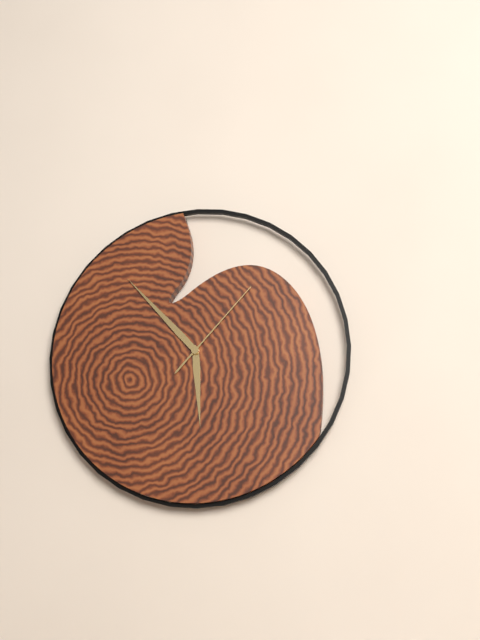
5:53:07
